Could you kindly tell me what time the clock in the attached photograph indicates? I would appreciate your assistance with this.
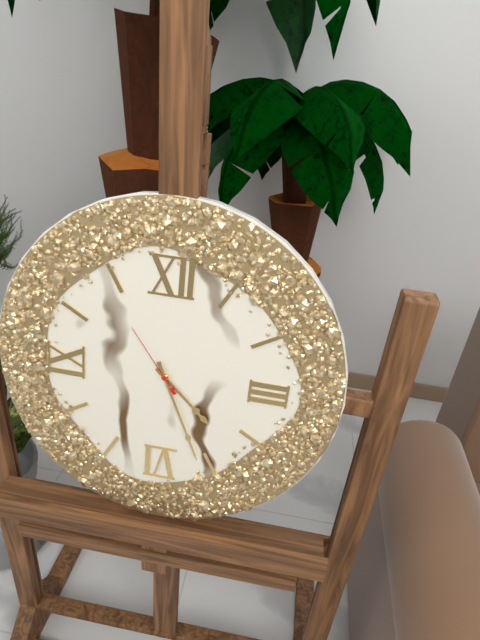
4:26:54
